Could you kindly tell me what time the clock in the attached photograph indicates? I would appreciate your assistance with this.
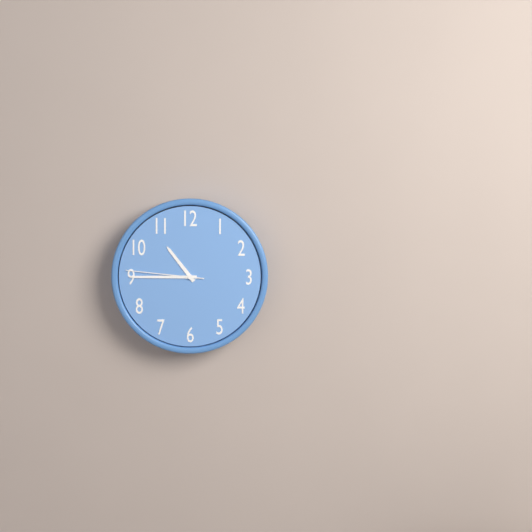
10:45:46
